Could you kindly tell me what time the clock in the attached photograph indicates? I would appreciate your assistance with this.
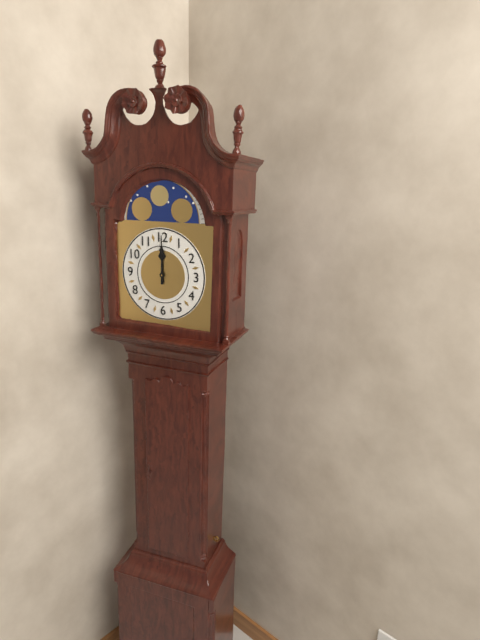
12:00
